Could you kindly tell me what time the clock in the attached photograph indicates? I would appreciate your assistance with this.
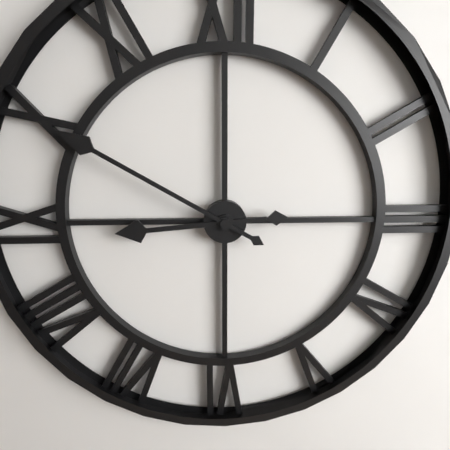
8:50
